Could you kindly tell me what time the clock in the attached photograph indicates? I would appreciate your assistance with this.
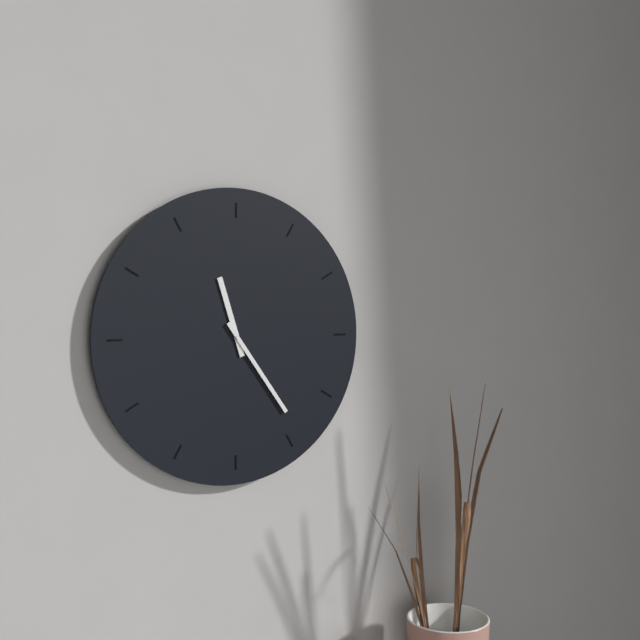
11:24
